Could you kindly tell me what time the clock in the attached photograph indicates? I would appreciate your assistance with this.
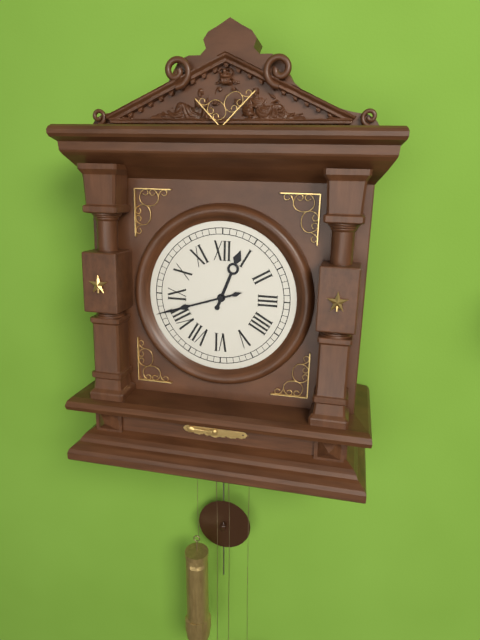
12:42
